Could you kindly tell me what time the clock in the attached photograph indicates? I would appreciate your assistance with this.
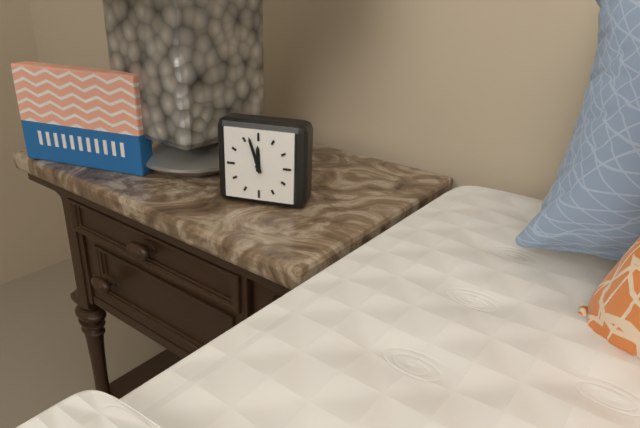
11:57
